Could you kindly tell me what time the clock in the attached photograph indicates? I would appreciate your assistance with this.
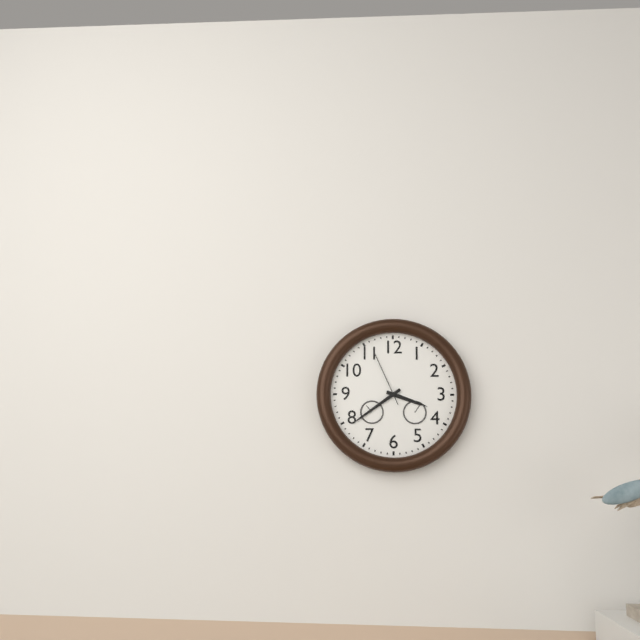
3:39:56
